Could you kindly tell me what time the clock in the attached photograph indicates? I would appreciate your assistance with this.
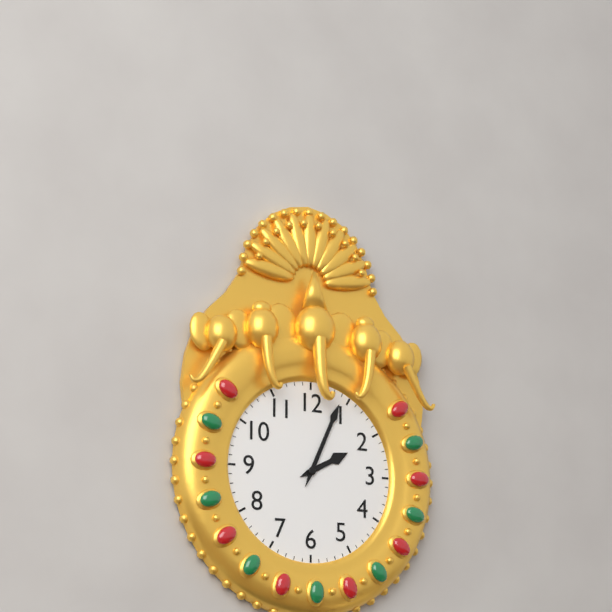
2:04
